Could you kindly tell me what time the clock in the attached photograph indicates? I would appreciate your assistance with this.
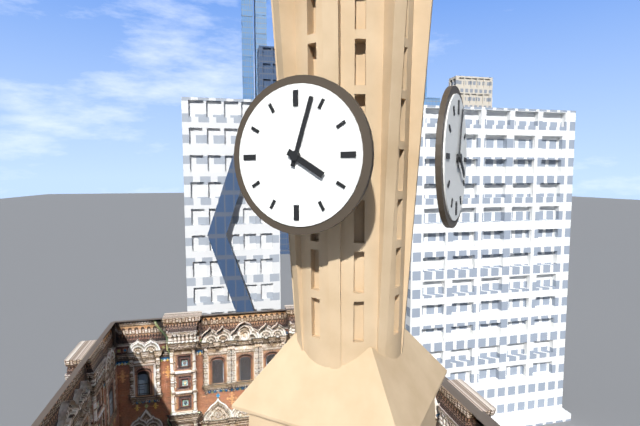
4:03
